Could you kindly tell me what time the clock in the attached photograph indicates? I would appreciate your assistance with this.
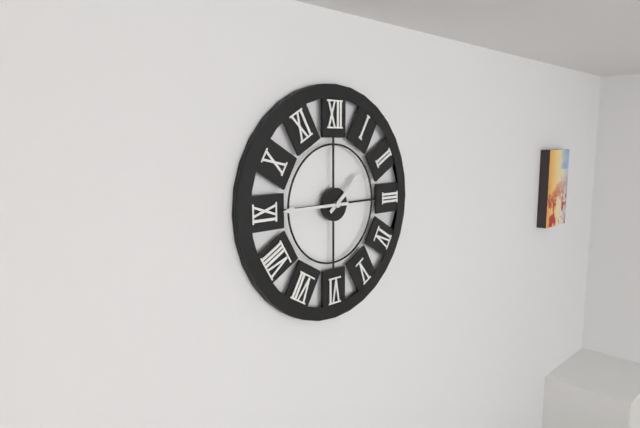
1:45
